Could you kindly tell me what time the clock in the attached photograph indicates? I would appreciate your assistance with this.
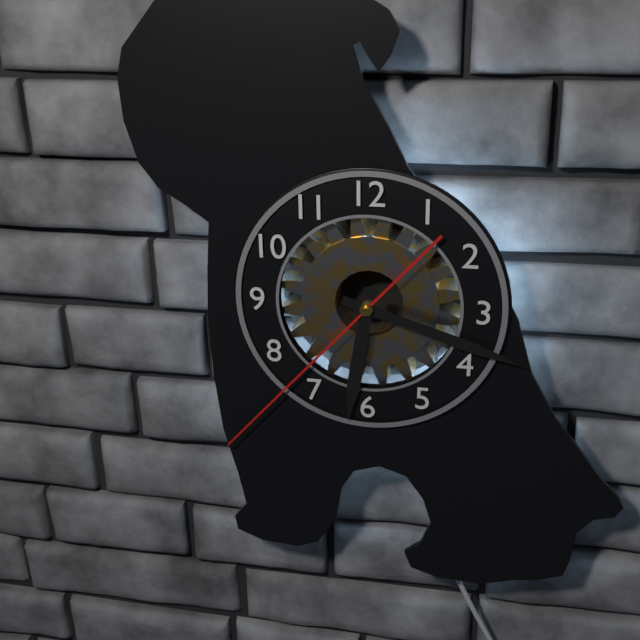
6:18:37
